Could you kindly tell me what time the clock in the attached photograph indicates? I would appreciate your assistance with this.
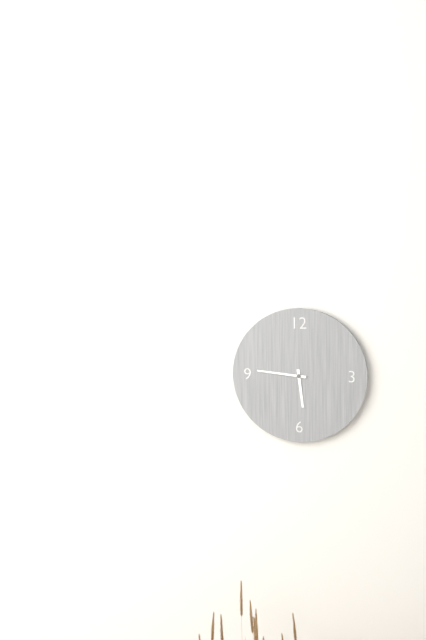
5:46
